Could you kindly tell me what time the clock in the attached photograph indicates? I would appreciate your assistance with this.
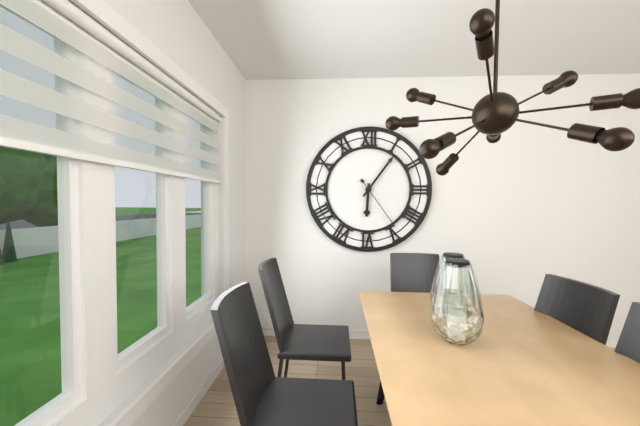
6:06:24
